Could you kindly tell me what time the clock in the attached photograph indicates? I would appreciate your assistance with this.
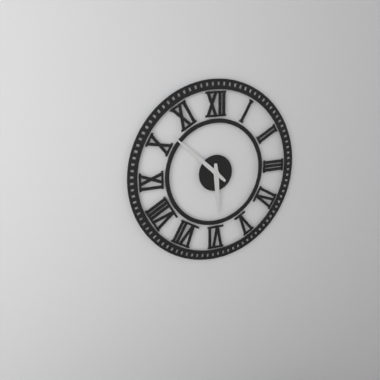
5:52
